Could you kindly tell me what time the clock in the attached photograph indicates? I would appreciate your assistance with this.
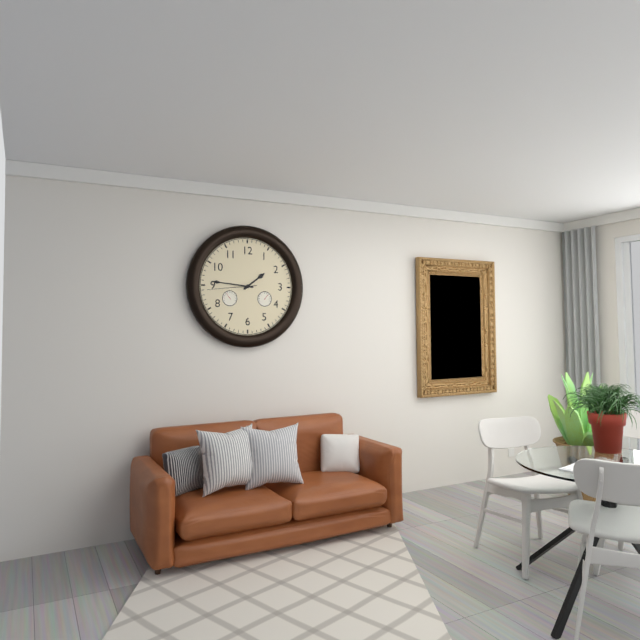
1:46:44
